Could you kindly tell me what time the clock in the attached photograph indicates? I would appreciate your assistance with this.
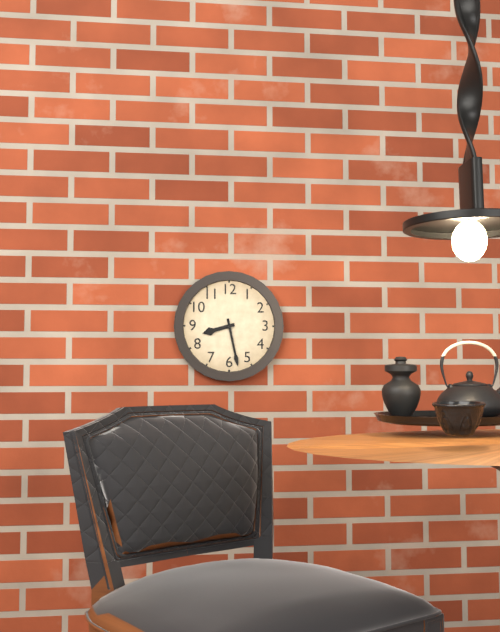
8:28
